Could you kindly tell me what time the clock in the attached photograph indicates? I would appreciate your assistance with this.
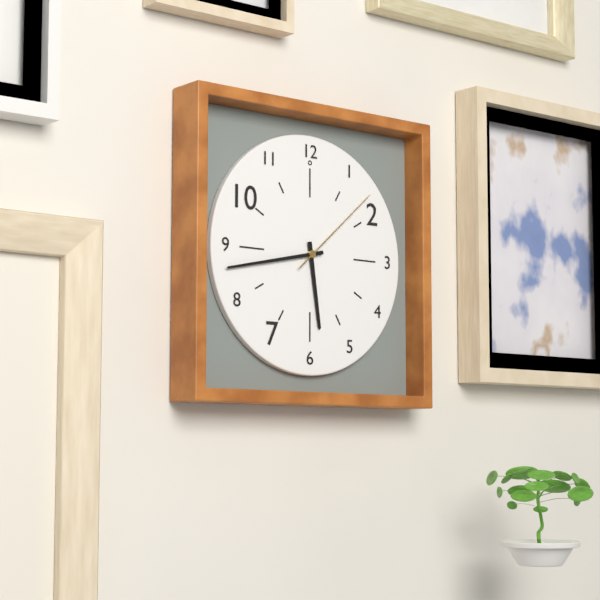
5:43:08
